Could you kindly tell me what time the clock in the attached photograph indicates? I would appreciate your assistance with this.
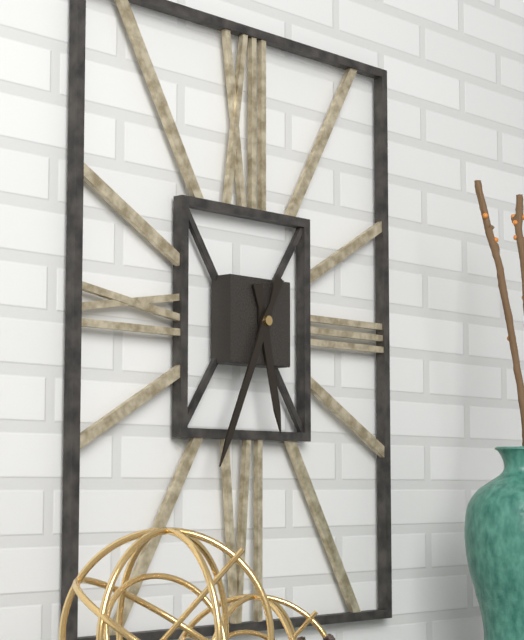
5:34
